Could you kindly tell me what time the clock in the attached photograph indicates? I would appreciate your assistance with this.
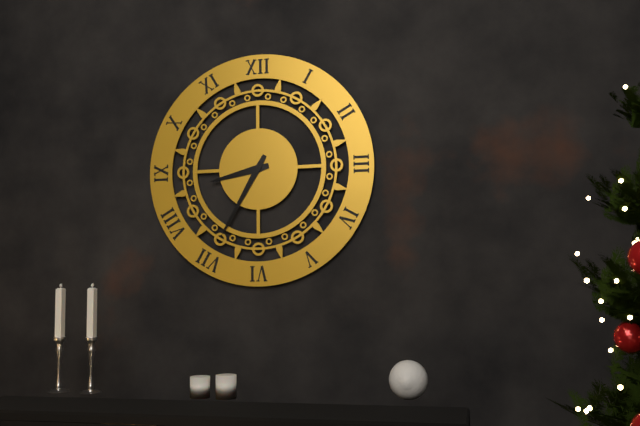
8:35
